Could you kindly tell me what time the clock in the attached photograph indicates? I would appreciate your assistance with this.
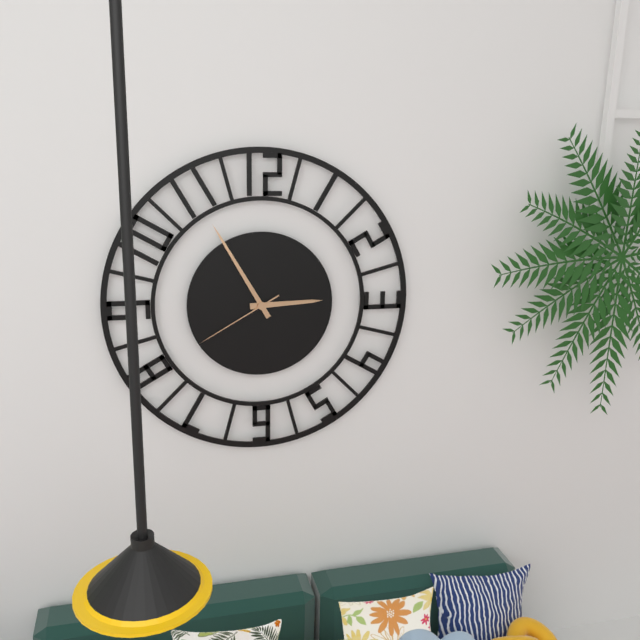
2:55:40
